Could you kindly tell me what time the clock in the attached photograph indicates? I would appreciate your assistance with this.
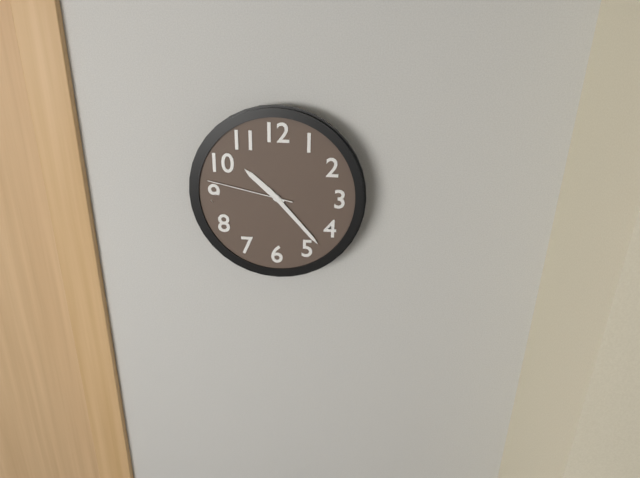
10:23:47
